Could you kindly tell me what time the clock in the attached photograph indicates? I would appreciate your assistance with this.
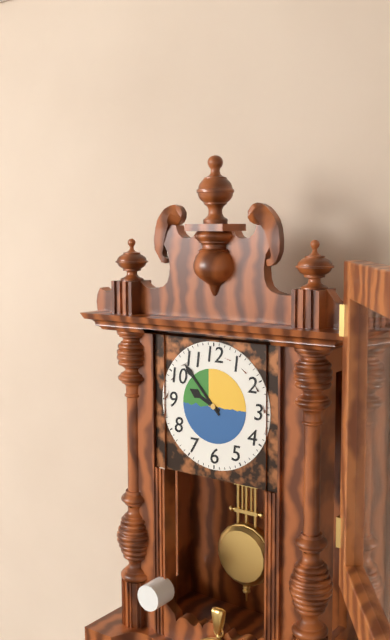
9:53
